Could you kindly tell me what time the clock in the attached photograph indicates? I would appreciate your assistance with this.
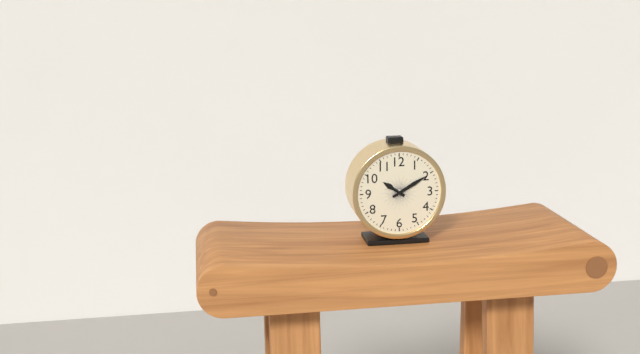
10:10
